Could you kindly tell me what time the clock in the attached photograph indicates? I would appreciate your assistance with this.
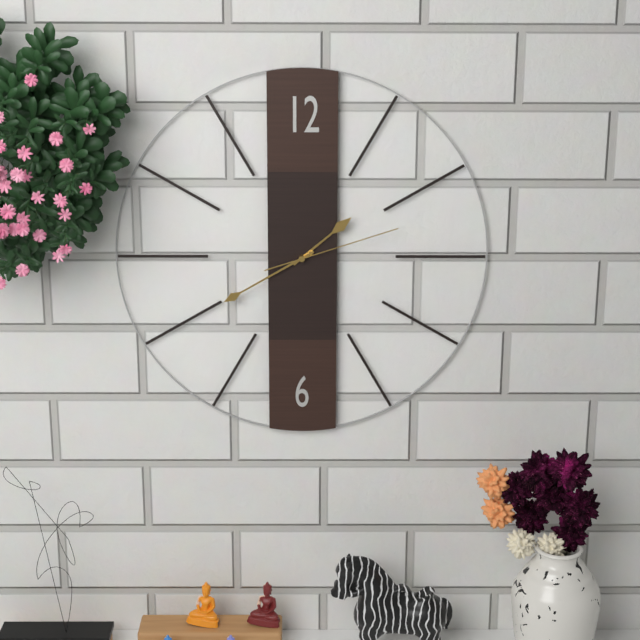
1:40:12
